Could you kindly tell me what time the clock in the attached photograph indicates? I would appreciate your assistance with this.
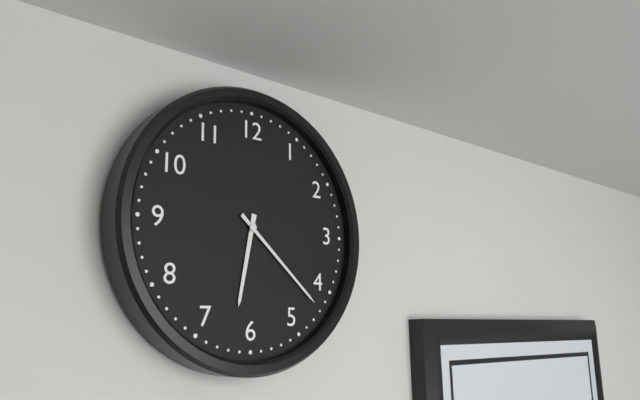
6:22
